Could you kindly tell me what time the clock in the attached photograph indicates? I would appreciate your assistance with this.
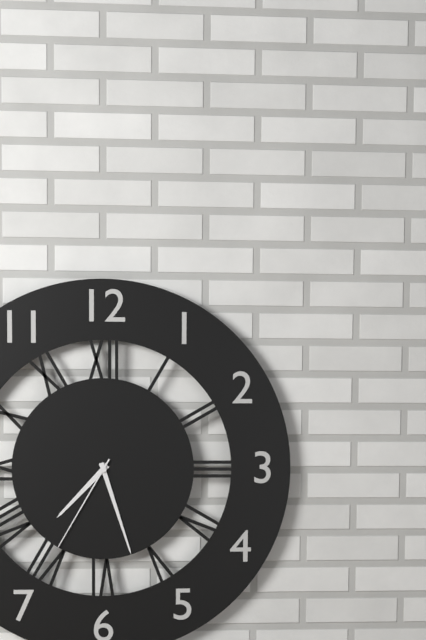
7:27:35
